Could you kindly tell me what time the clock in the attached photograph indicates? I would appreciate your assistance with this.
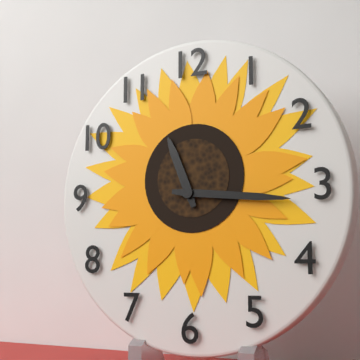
11:16
